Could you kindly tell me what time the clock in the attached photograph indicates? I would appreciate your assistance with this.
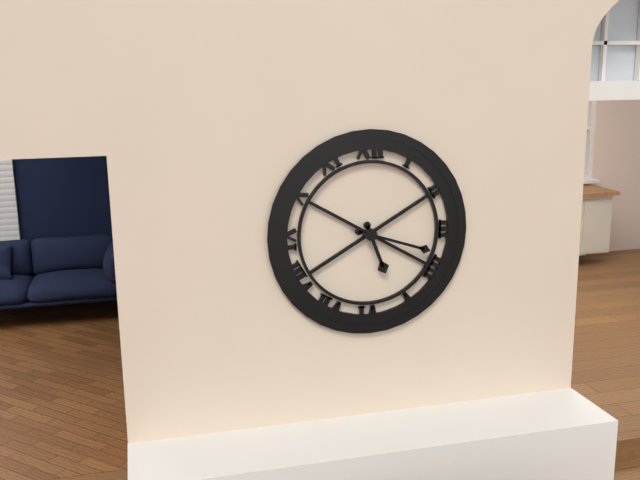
5:18
